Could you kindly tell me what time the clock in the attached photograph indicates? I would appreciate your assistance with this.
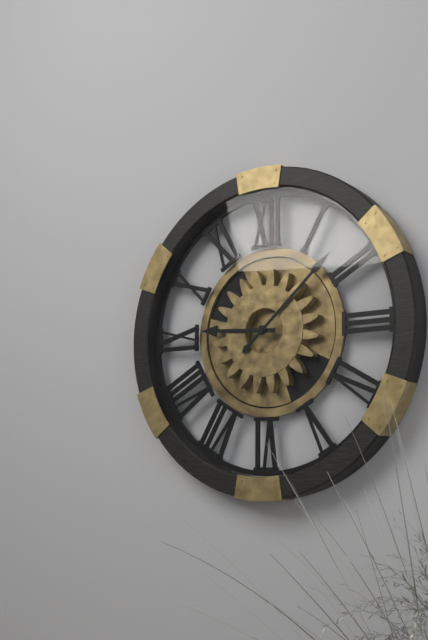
9:08
